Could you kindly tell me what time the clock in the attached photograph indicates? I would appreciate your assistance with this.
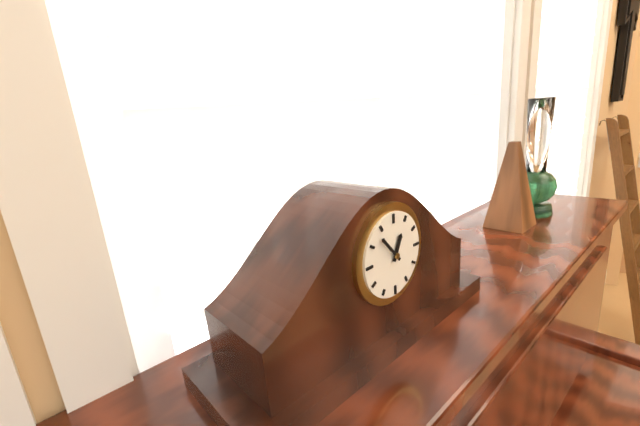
12:53
